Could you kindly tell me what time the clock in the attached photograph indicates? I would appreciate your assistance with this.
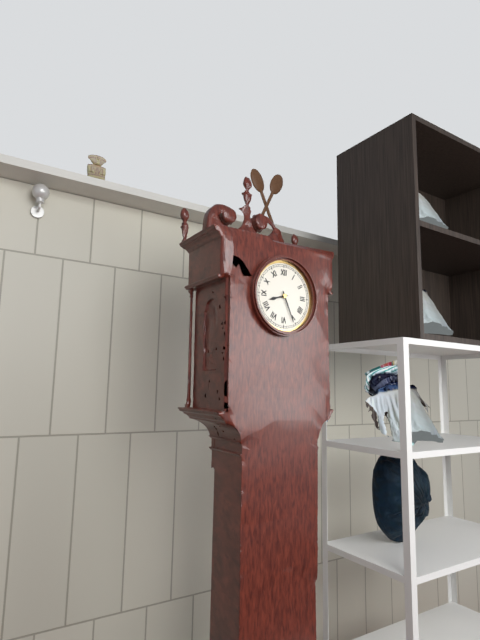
8:26
